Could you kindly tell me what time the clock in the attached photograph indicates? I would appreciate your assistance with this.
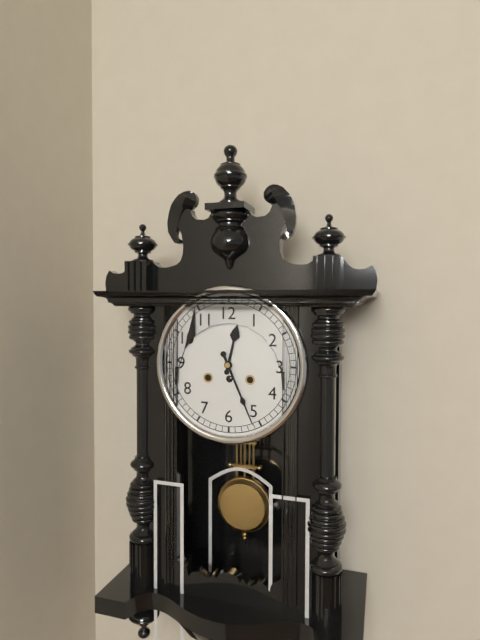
12:26
